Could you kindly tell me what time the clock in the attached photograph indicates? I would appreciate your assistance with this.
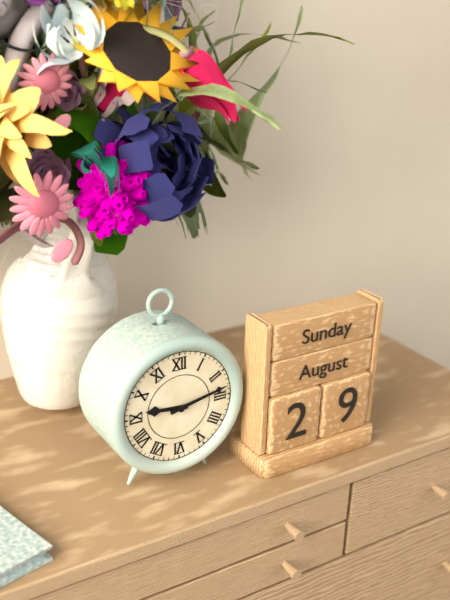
9:13
